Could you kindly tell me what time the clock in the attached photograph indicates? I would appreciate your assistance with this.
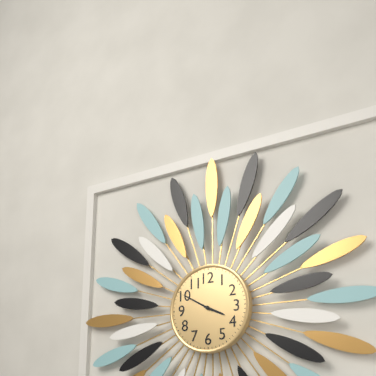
3:50
